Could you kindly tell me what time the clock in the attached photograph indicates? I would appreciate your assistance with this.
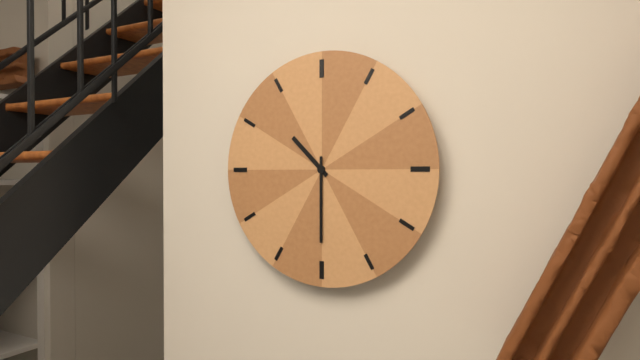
10:30
